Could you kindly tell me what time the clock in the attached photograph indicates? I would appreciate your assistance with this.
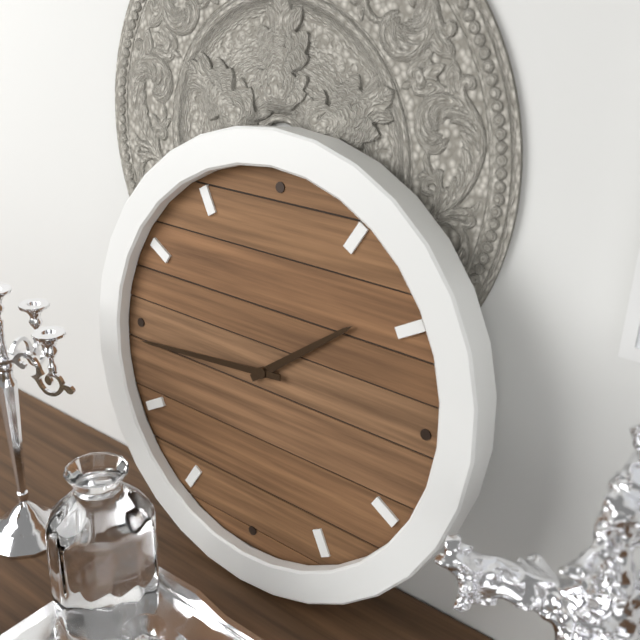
1:44
